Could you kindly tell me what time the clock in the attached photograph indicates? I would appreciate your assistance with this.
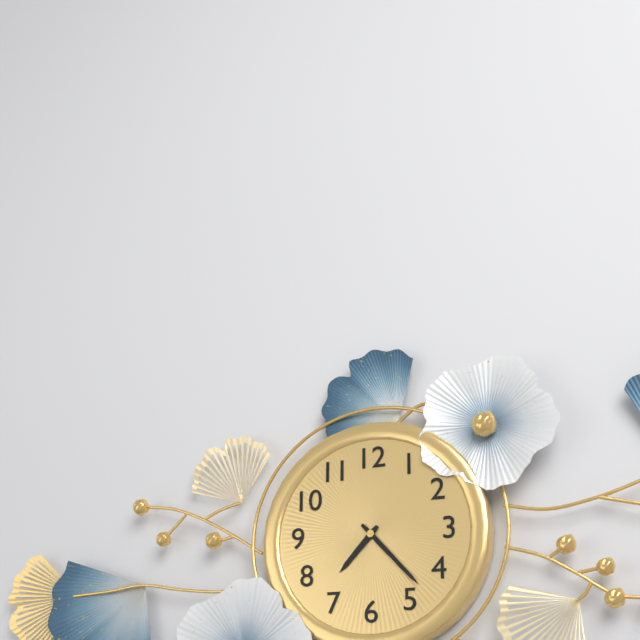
7:23
